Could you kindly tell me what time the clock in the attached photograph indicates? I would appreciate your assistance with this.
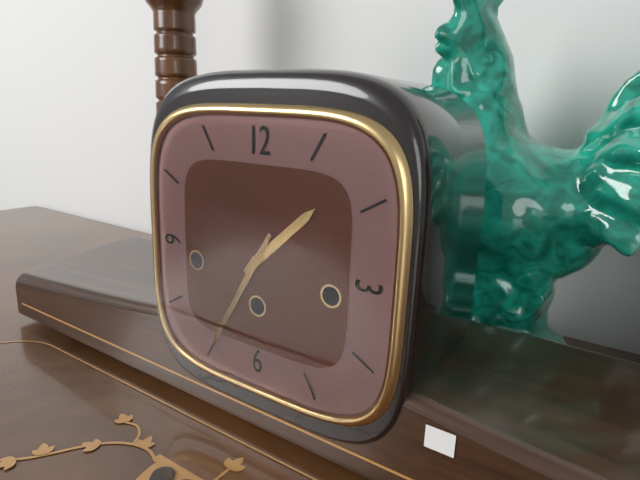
1:35
